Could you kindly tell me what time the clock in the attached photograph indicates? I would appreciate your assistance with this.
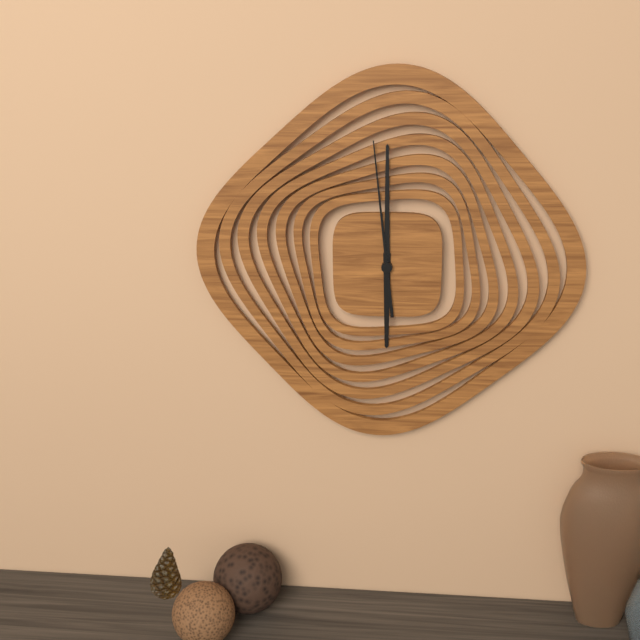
6:00:59
